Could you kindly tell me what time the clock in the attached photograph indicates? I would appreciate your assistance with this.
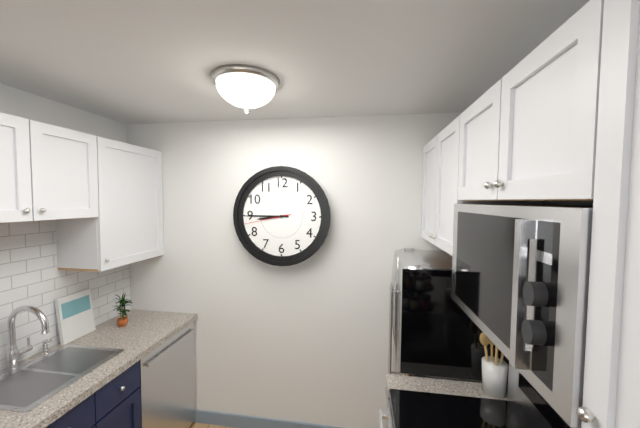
8:45
